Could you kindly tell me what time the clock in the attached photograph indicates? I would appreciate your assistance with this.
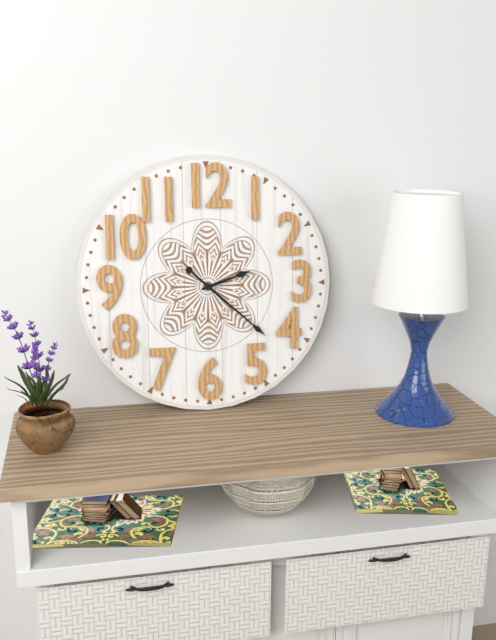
2:22
